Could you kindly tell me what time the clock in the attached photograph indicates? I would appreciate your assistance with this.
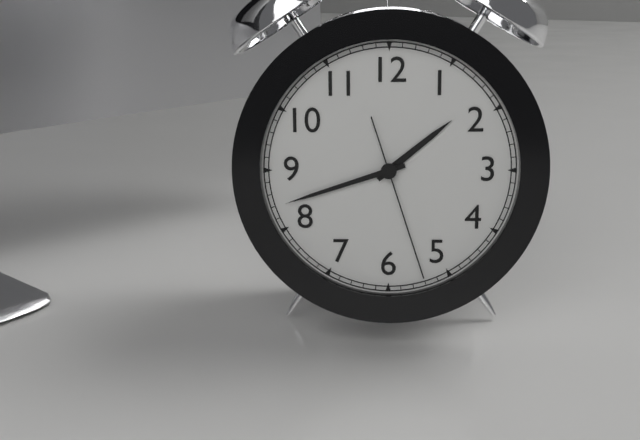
1:42:27
